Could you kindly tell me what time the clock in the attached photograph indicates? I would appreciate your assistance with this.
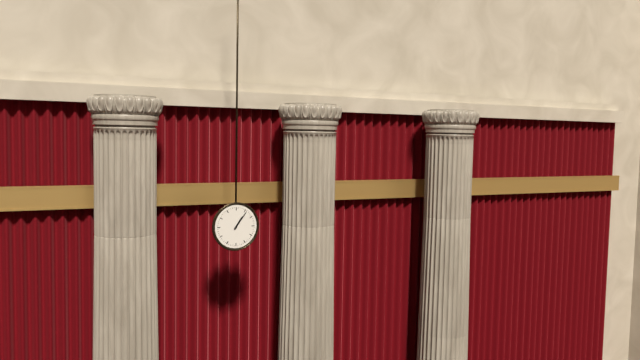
1:06
